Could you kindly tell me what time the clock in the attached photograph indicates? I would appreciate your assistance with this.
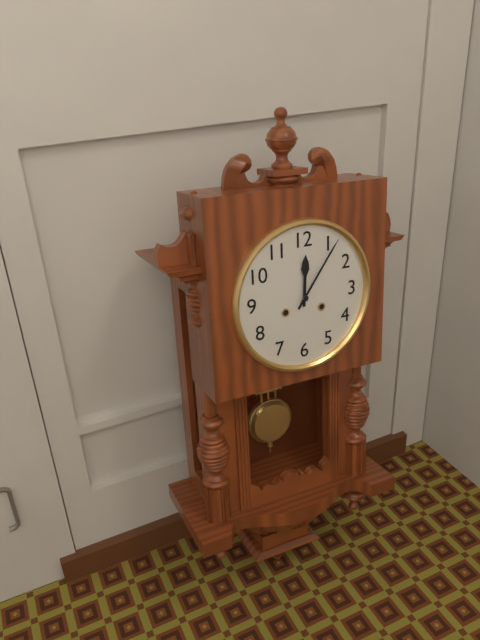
12:06
